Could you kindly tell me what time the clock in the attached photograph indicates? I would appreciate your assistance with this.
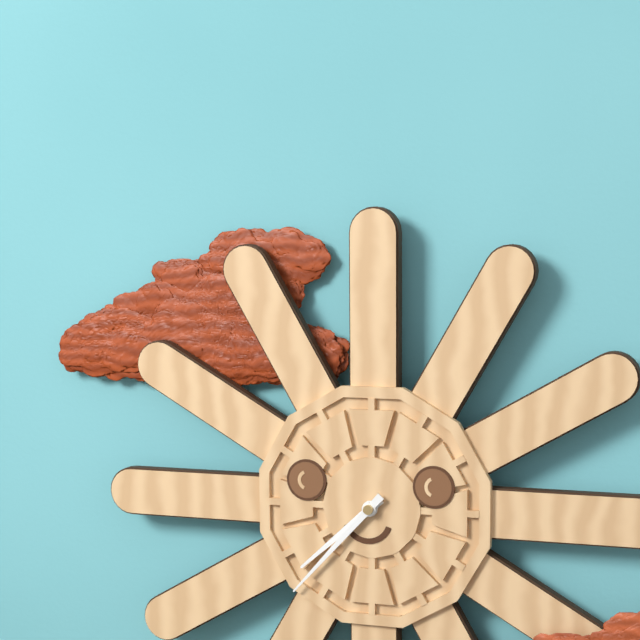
7:37
